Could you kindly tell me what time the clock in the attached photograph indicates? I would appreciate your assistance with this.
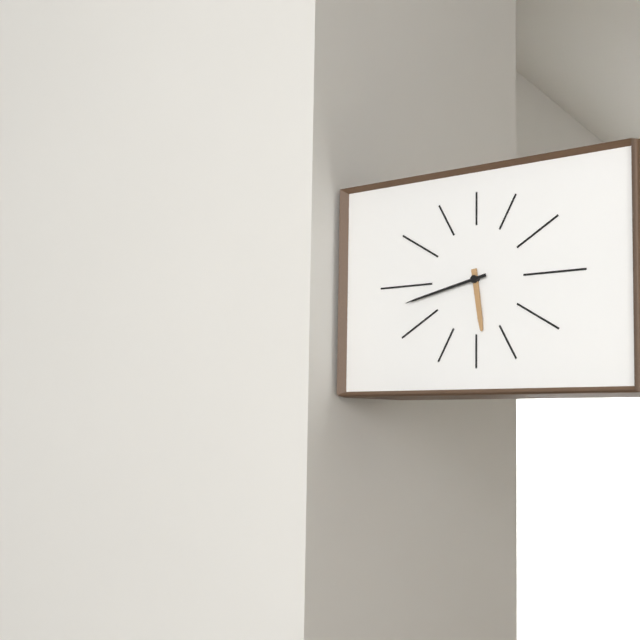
5:43
